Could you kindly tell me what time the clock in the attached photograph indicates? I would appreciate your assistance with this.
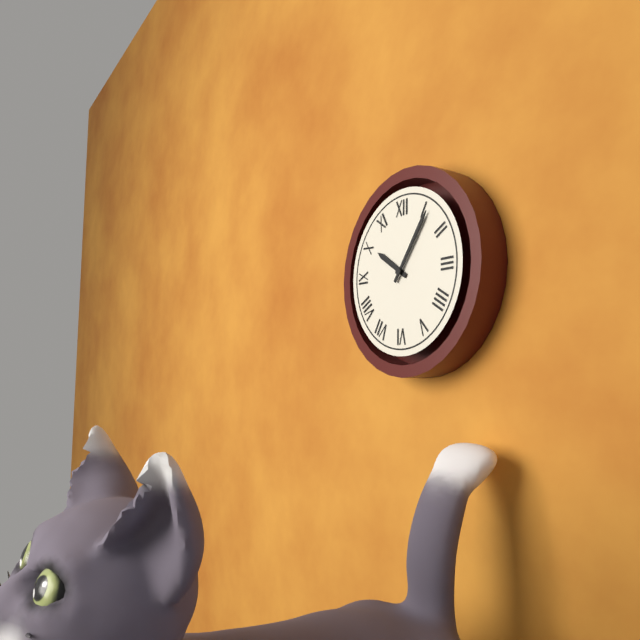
10:06
